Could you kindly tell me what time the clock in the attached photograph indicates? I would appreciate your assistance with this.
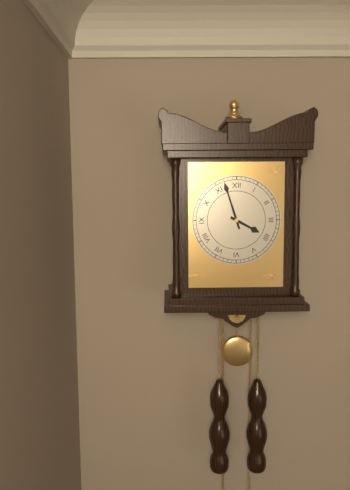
3:57
